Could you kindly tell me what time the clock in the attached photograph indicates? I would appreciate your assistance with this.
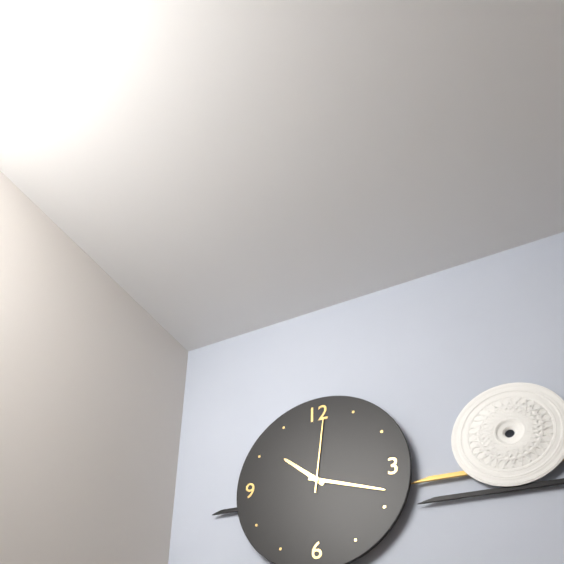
10:18:01
